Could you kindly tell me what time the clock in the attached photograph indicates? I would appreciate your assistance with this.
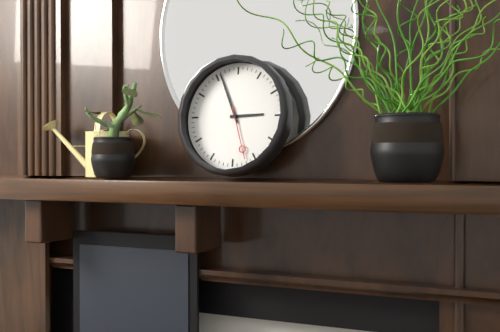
2:56:27
